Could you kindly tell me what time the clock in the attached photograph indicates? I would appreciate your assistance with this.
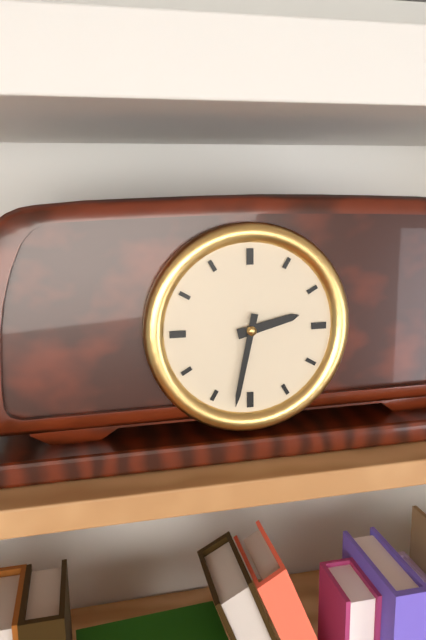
2:32
